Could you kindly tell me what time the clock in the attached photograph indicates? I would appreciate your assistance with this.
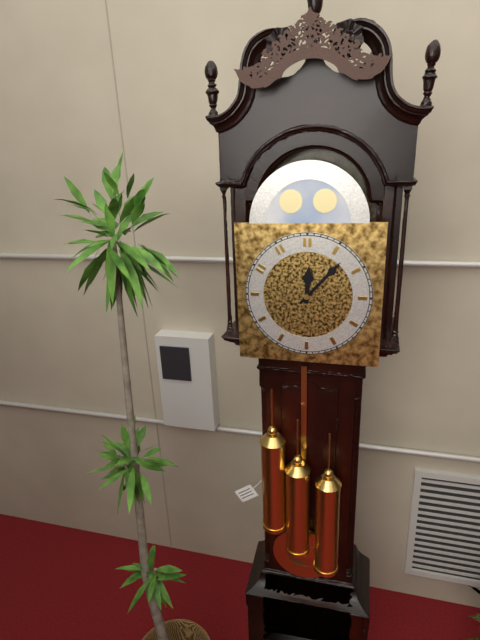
12:07
